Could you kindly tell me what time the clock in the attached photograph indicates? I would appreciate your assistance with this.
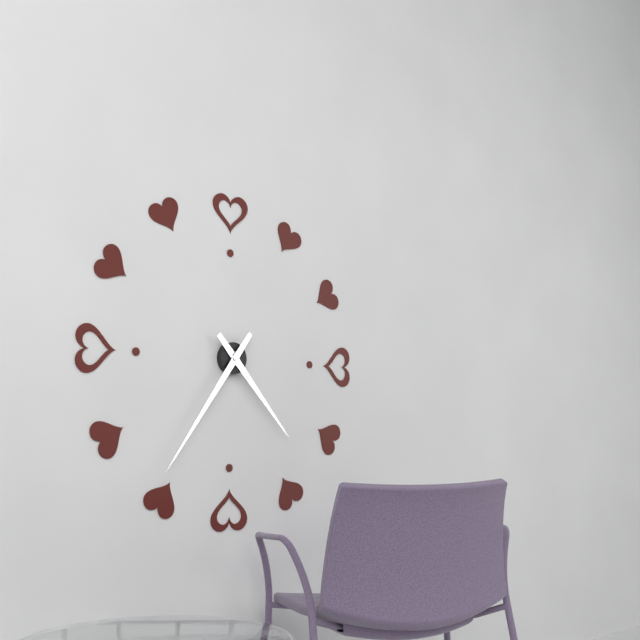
4:36
